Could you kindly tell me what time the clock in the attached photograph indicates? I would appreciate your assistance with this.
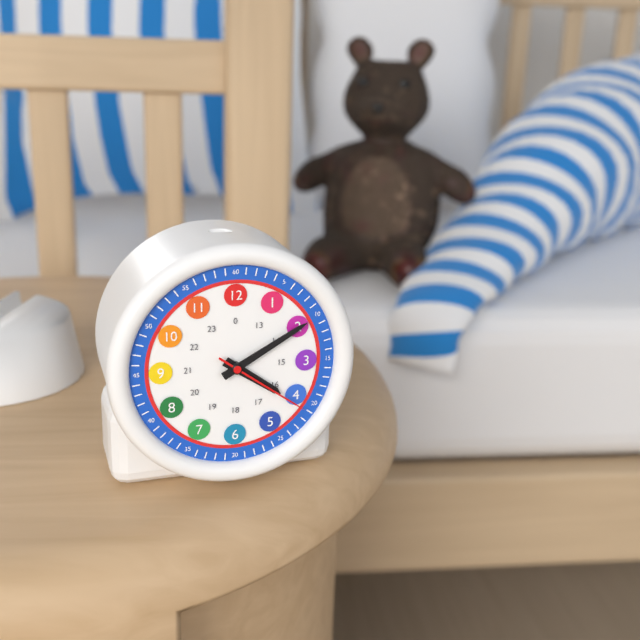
4:10:21
